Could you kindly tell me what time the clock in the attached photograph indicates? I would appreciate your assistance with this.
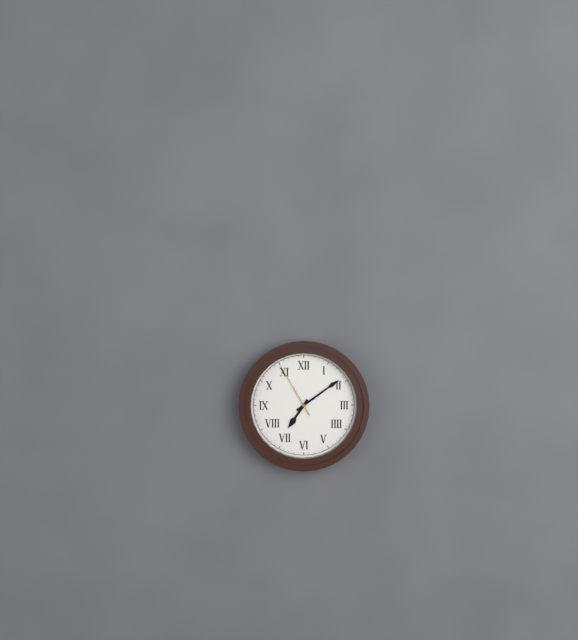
7:09:55
